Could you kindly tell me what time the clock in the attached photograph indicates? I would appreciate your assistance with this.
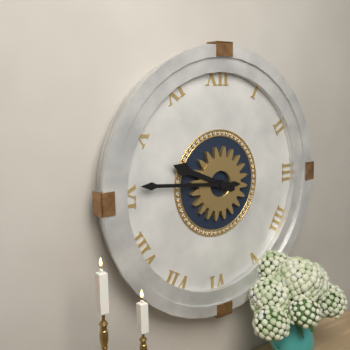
9:46
